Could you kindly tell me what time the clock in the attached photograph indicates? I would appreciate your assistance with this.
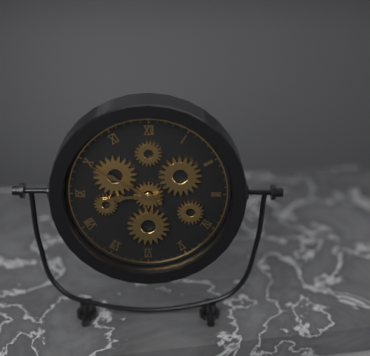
8:50
